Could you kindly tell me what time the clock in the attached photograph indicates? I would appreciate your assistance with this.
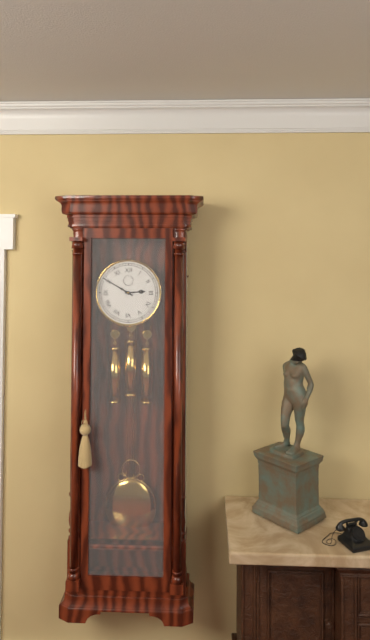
2:50
